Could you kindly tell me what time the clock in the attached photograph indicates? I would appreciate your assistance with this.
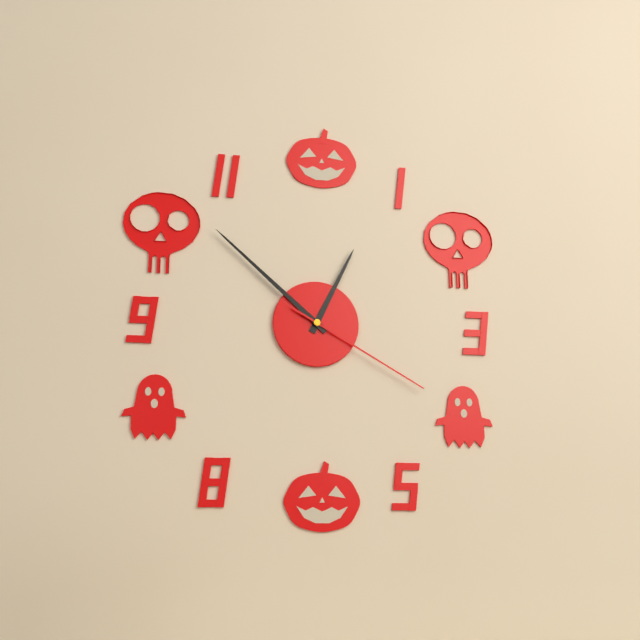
12:52:20
